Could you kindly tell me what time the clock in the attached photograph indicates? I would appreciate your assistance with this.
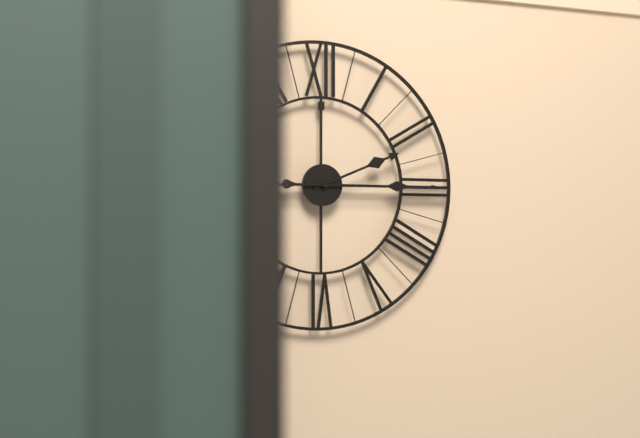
2:15
